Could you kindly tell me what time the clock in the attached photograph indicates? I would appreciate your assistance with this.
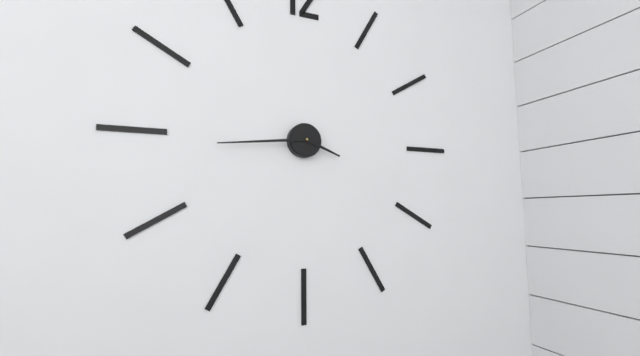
3:44
